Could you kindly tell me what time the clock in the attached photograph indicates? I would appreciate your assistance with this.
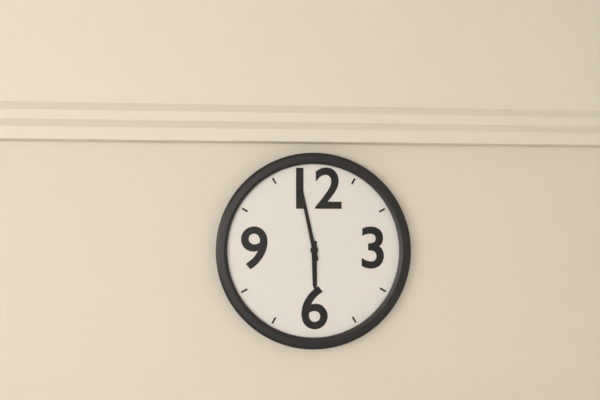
5:58
